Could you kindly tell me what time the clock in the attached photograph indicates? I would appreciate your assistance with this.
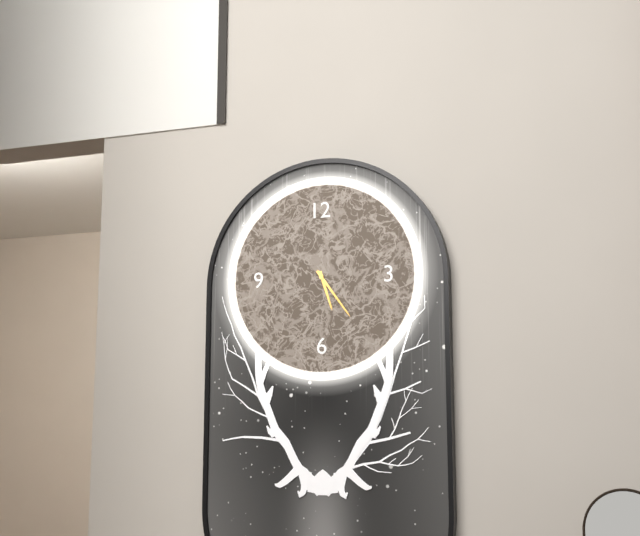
5:24
